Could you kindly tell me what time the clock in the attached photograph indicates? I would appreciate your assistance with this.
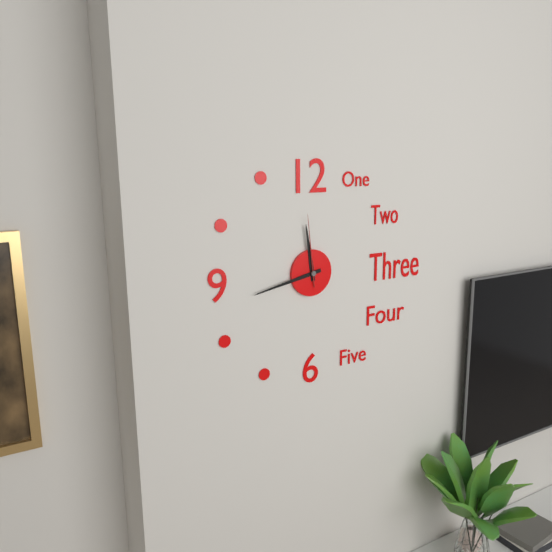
11:43:59
